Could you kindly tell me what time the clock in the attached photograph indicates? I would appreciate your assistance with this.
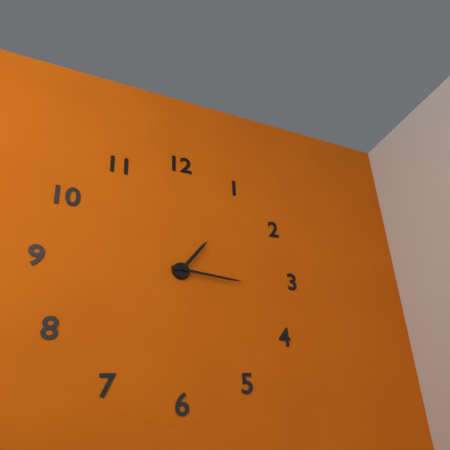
1:16
